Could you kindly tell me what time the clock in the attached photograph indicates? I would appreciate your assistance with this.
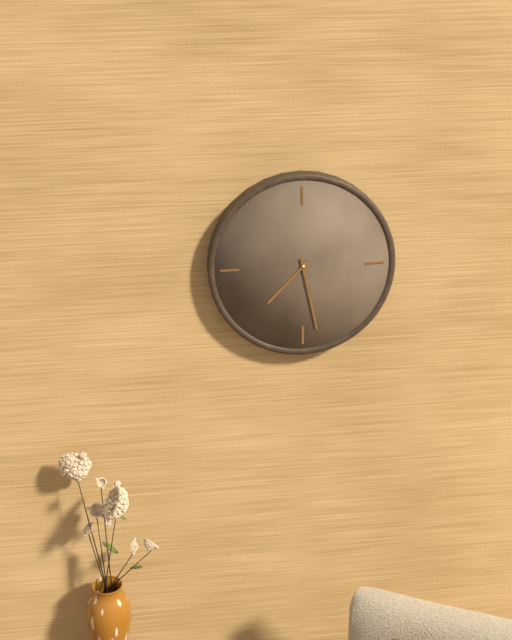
7:28
